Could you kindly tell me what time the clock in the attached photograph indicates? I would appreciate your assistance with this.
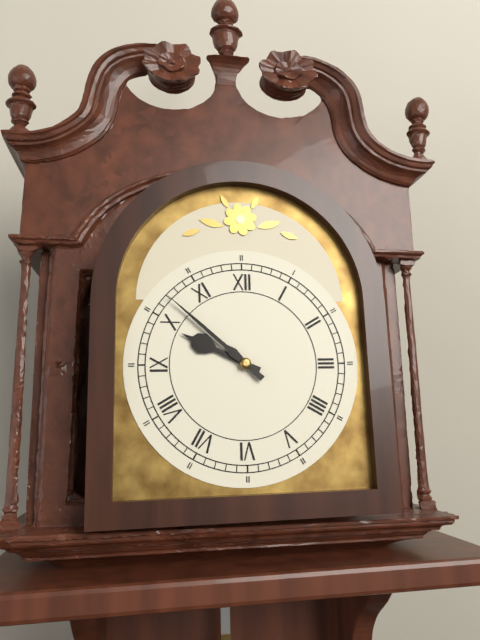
9:52
